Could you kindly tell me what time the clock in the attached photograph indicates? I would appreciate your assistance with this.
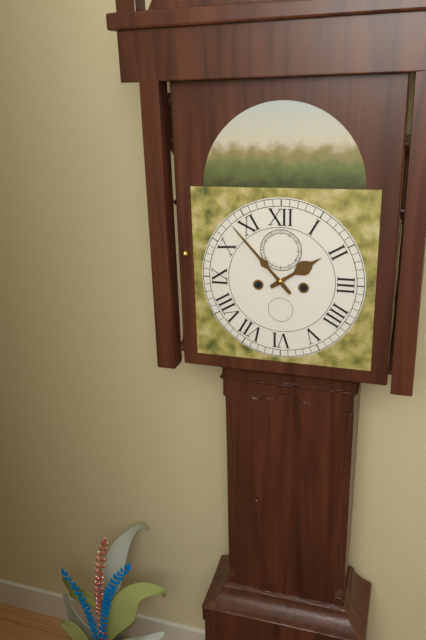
1:53
